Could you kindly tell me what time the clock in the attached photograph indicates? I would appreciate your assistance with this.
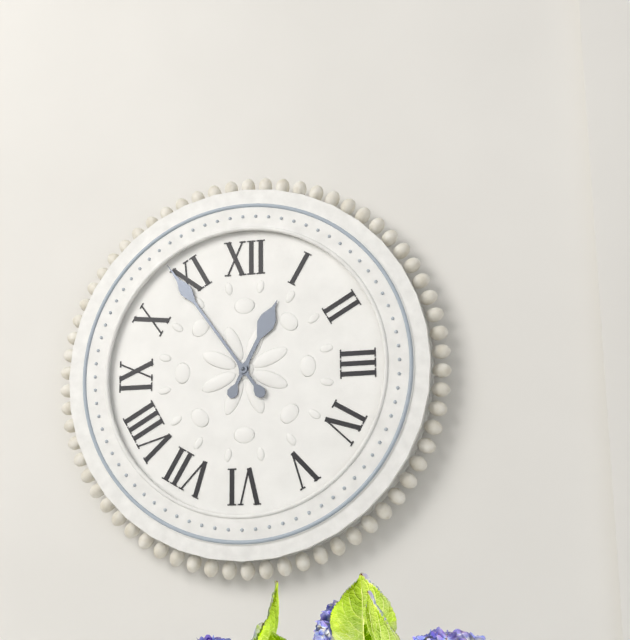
12:54
